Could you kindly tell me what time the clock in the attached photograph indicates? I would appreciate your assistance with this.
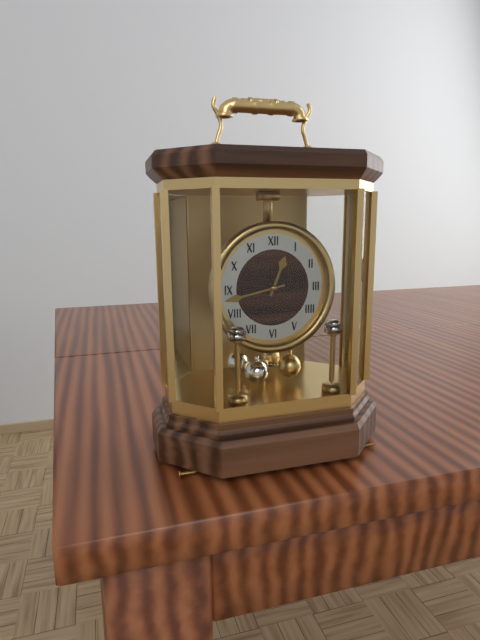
12:43
